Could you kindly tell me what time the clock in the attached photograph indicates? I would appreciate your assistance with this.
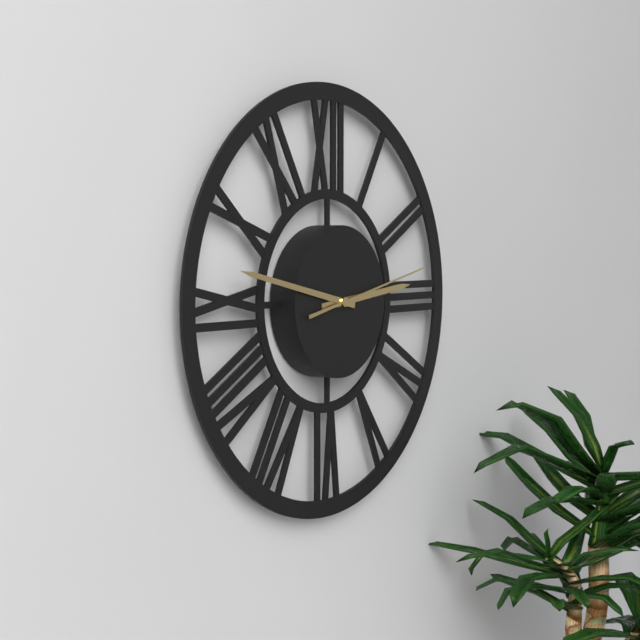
2:47:13
